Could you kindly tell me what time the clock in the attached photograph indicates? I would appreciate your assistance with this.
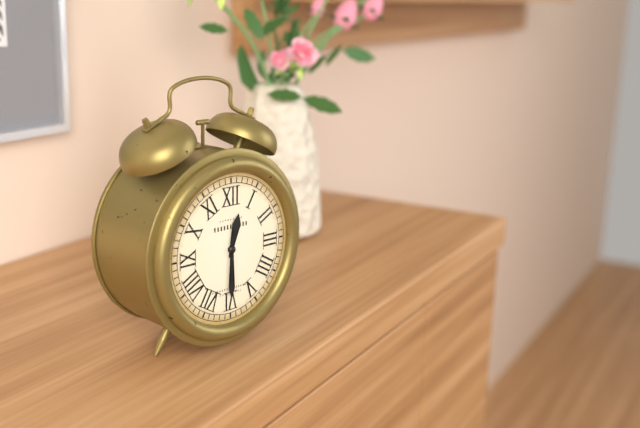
12:30
